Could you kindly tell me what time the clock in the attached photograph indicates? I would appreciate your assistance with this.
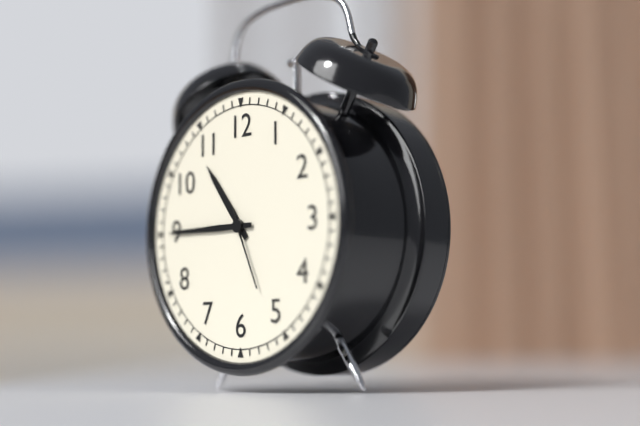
10:45:26
